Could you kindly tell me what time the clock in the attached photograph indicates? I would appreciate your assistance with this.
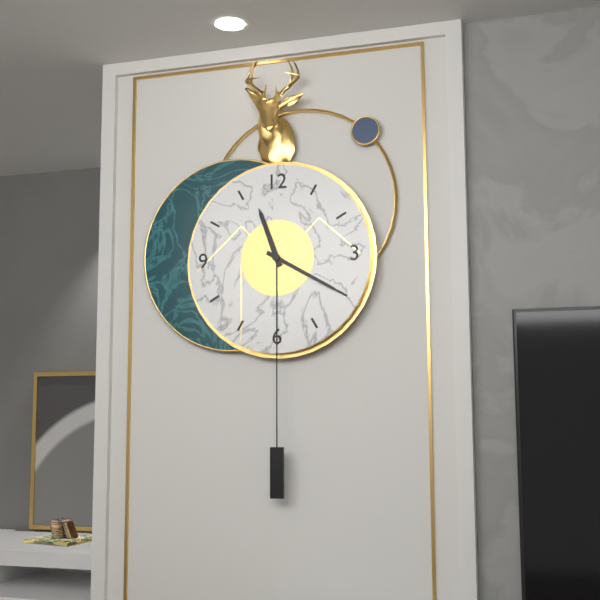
11:20
